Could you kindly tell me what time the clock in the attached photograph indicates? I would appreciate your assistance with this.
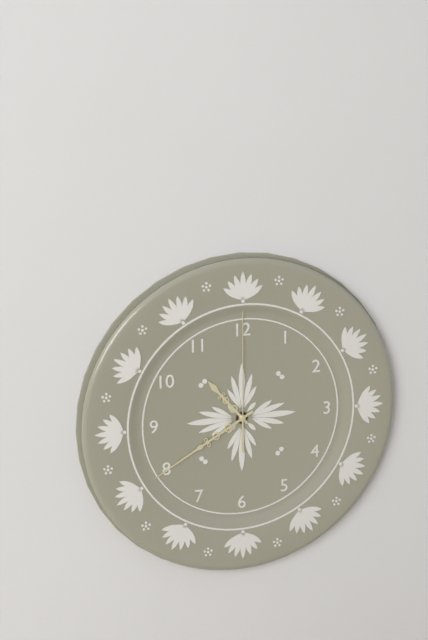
10:40:00
